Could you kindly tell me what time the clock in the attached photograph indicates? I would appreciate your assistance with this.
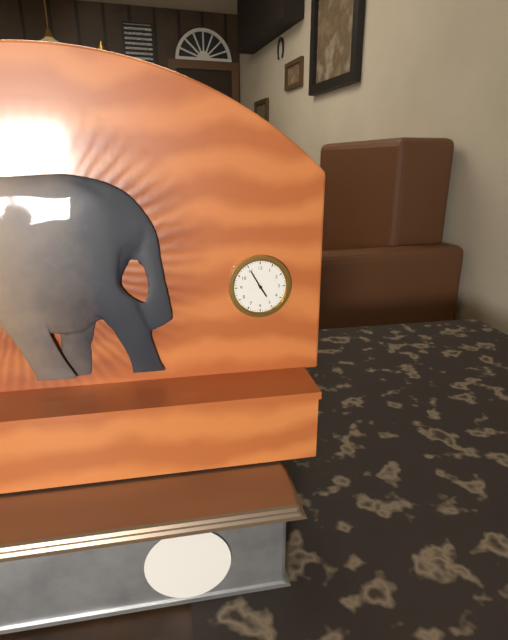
4:55
